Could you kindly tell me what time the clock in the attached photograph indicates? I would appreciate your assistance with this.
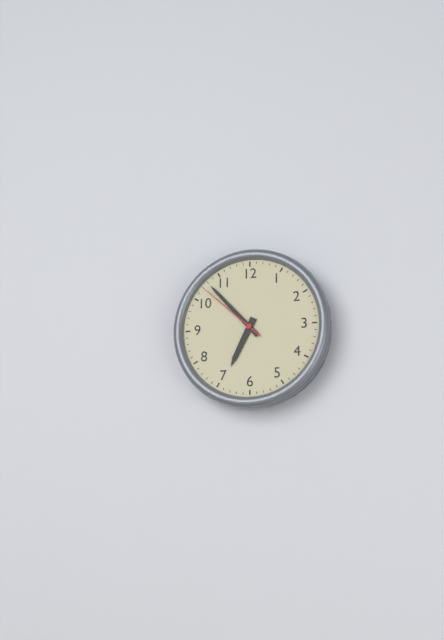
6:53:52
